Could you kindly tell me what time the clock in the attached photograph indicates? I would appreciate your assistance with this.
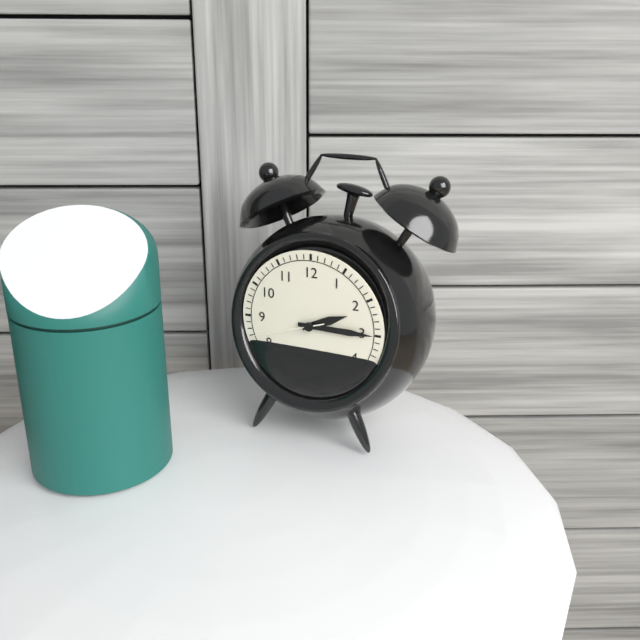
2:15:42
